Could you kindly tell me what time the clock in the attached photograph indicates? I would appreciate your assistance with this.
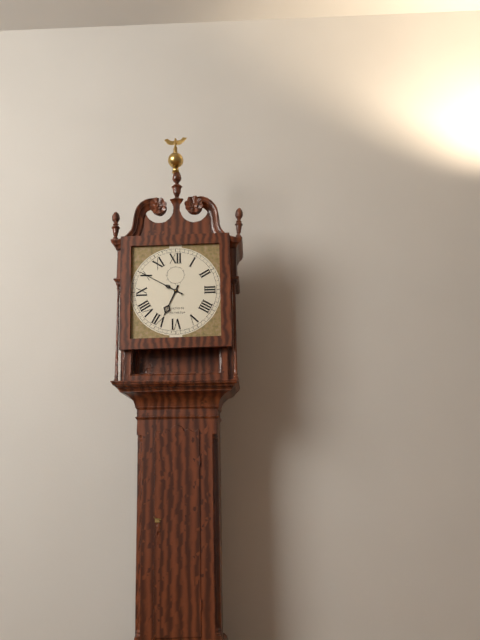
6:50
